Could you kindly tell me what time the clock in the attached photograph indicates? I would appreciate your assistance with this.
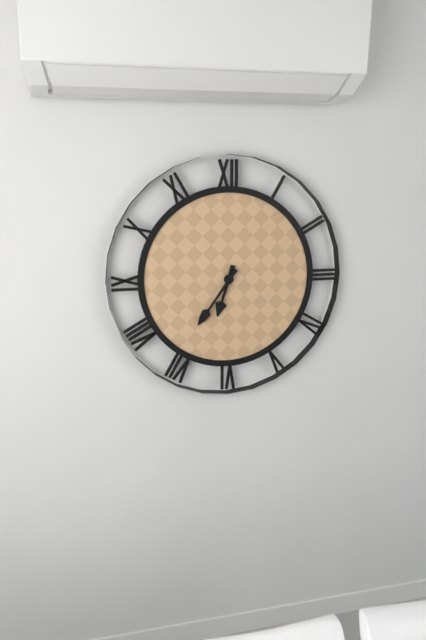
6:36
